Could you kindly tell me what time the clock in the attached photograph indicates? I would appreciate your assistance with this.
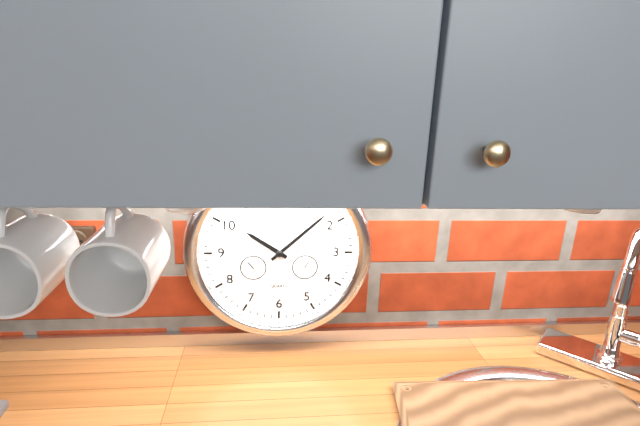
10:08
